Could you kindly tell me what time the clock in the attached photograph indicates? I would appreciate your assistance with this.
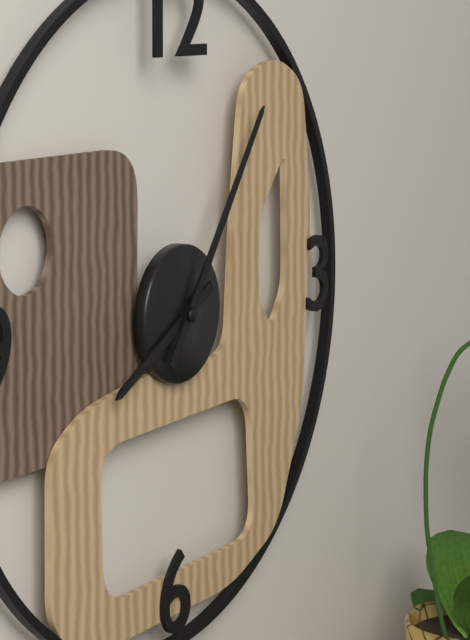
8:06
